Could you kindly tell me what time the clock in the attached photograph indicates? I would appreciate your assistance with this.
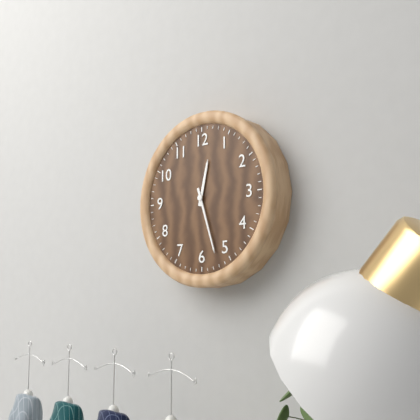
12:27
